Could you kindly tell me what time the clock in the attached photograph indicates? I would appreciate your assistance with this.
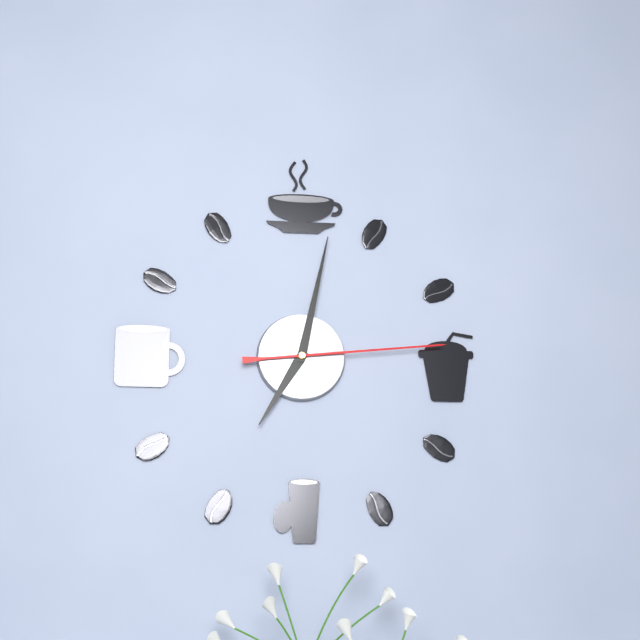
7:02:14
